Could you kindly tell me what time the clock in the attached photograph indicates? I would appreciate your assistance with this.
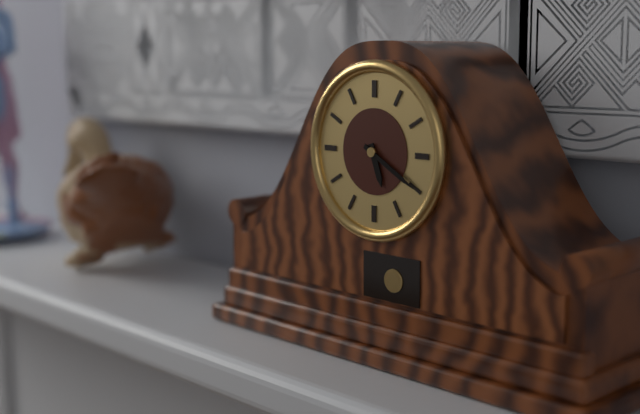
5:20
